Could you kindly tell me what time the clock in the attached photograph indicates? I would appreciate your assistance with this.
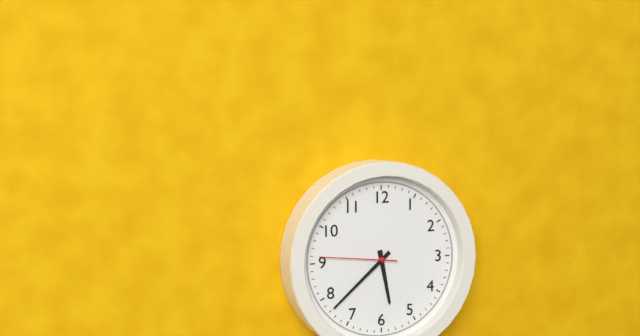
5:38:46
